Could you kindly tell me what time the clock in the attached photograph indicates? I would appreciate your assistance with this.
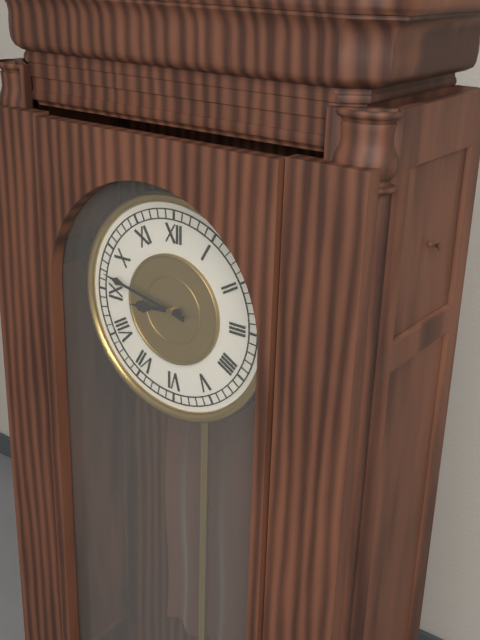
8:47
